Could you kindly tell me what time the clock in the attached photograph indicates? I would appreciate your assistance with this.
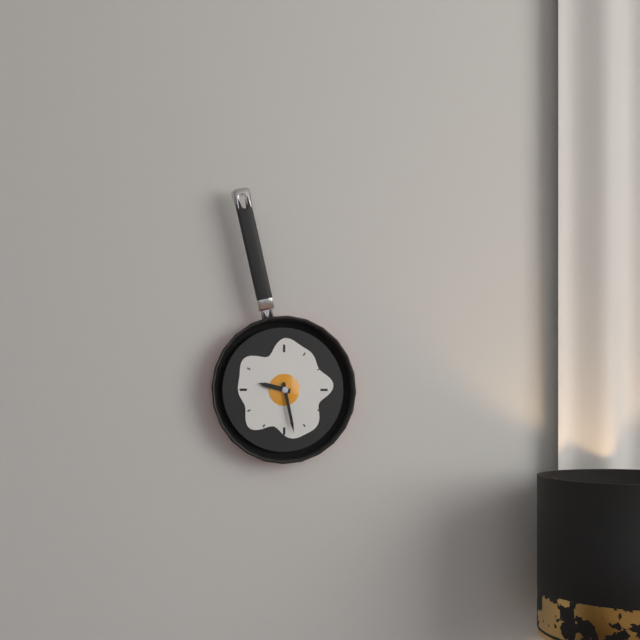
9:28
